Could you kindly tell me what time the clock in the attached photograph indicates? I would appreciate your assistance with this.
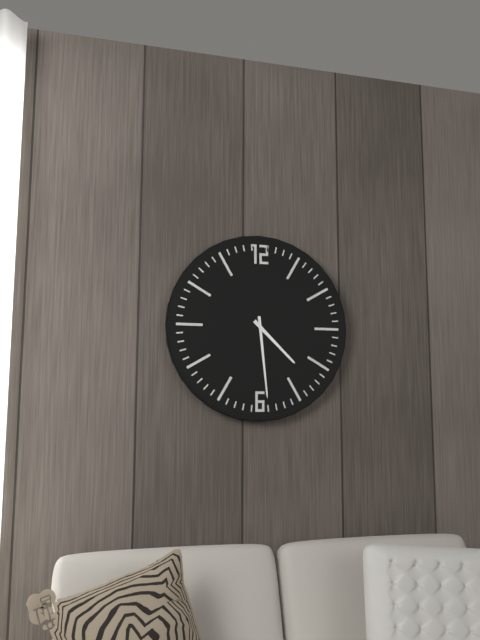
4:29
